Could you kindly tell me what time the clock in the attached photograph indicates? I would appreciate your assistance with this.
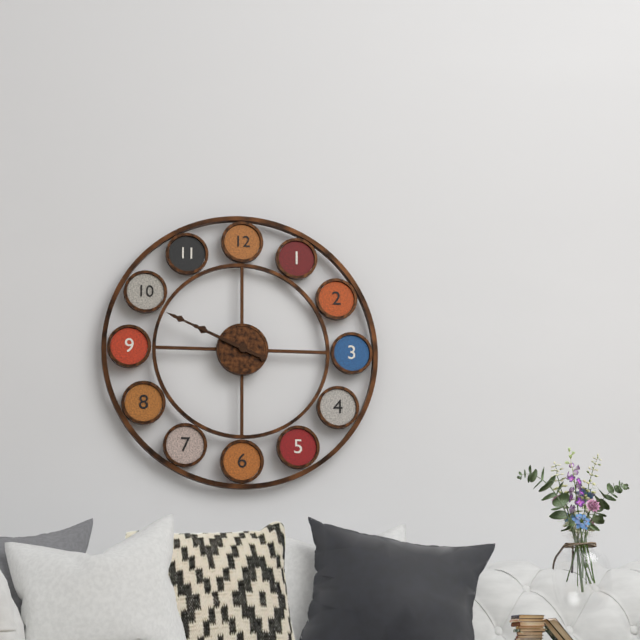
9:49
